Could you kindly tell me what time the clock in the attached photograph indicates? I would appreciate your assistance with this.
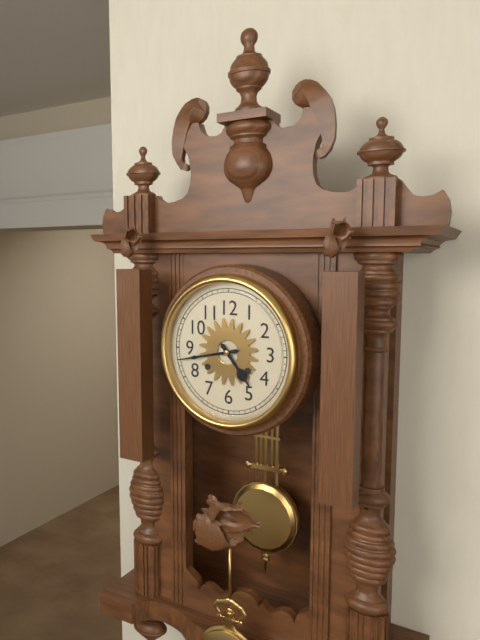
4:43
